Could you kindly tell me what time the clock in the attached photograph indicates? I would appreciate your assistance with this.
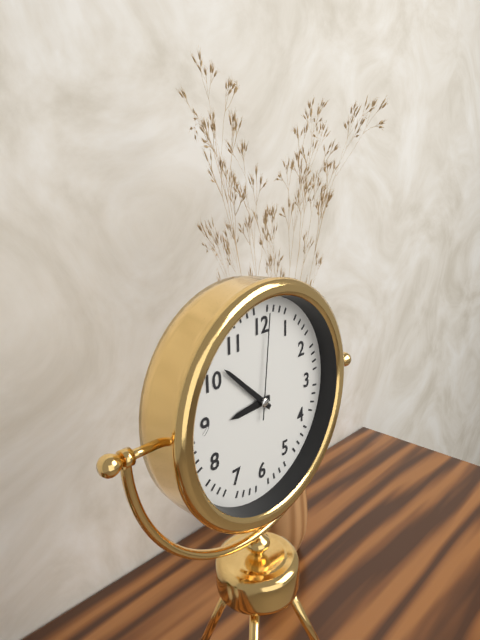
8:52:01
